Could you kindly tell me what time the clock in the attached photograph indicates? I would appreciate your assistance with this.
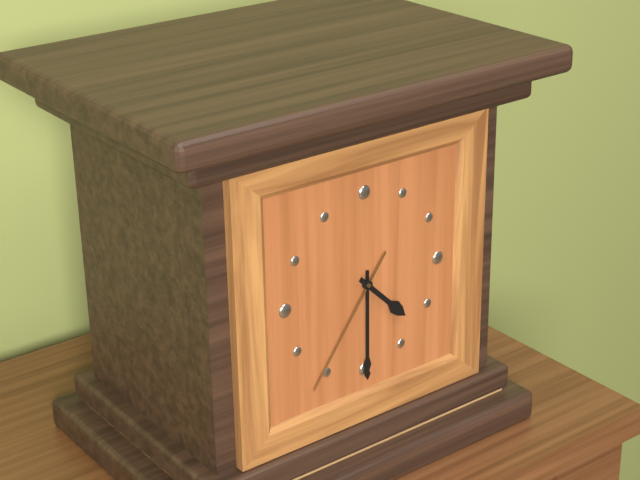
4:30:36
